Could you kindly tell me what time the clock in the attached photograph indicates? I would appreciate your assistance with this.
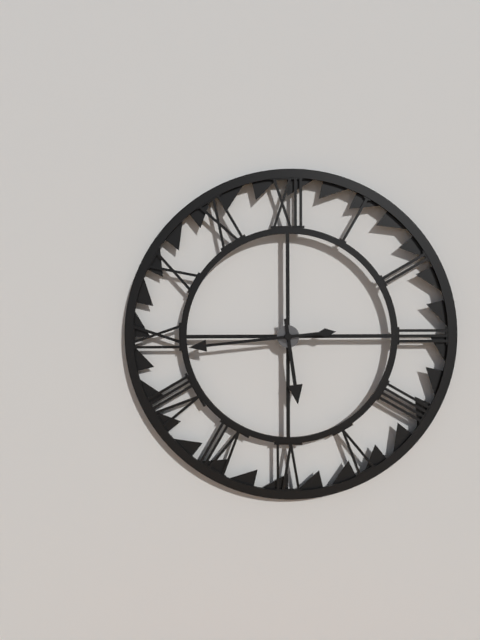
5:44
